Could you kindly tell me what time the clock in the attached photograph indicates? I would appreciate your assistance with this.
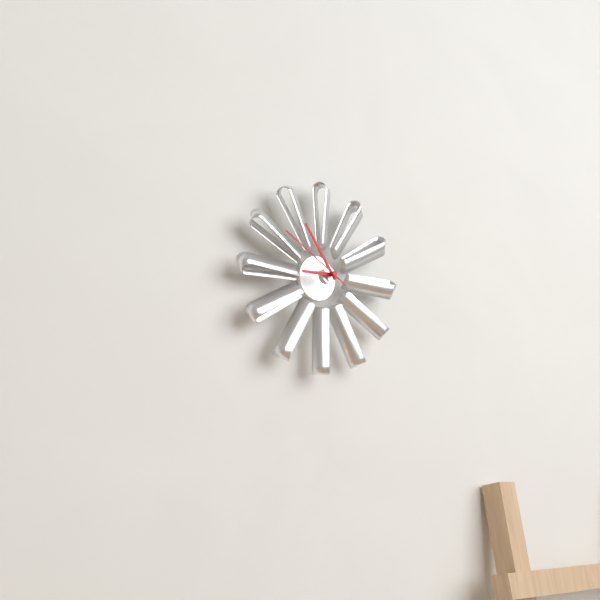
8:54:50
